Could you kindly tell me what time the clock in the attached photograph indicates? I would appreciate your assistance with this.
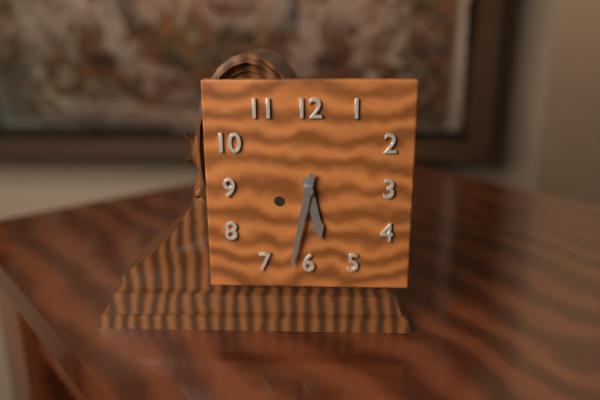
5:32
